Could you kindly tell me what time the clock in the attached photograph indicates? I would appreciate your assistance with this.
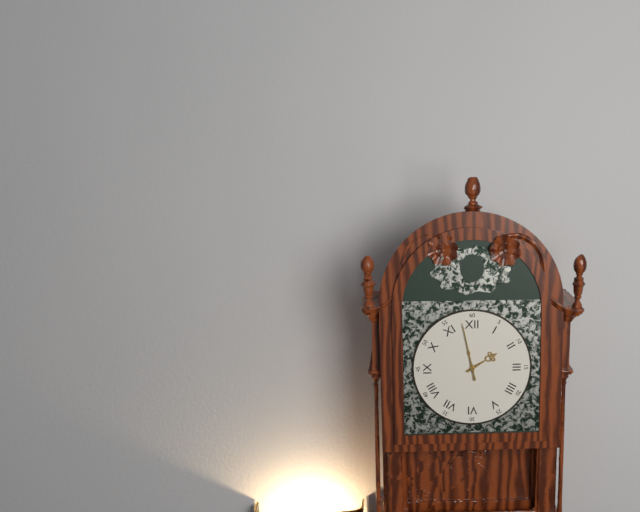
1:58
